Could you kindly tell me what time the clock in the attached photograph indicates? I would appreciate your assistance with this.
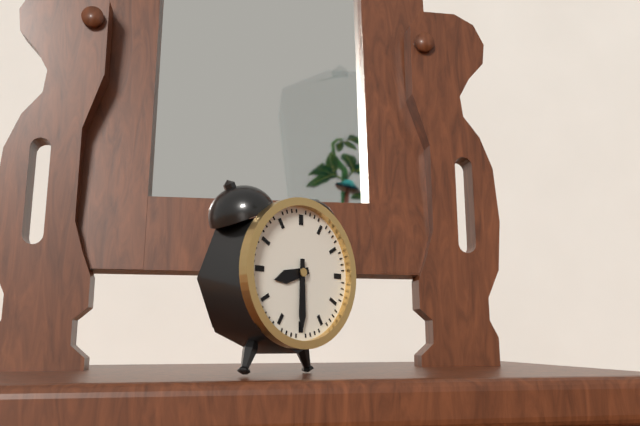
8:30
